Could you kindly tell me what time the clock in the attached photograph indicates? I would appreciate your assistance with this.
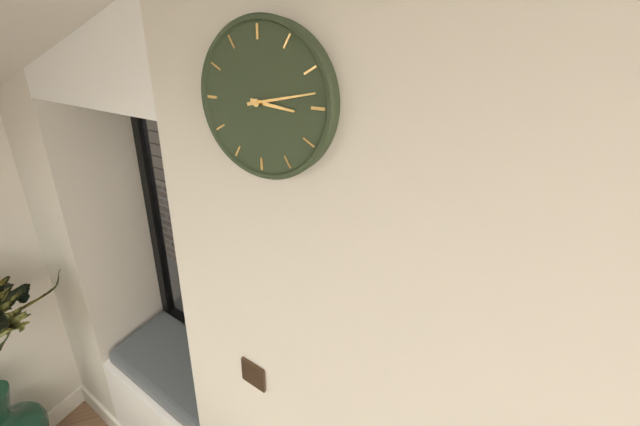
3:13
